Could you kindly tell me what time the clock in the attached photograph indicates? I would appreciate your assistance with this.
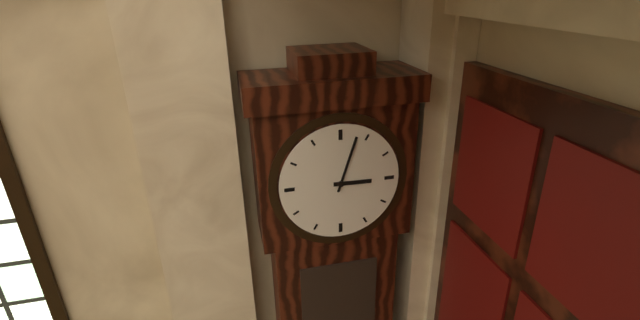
3:03
